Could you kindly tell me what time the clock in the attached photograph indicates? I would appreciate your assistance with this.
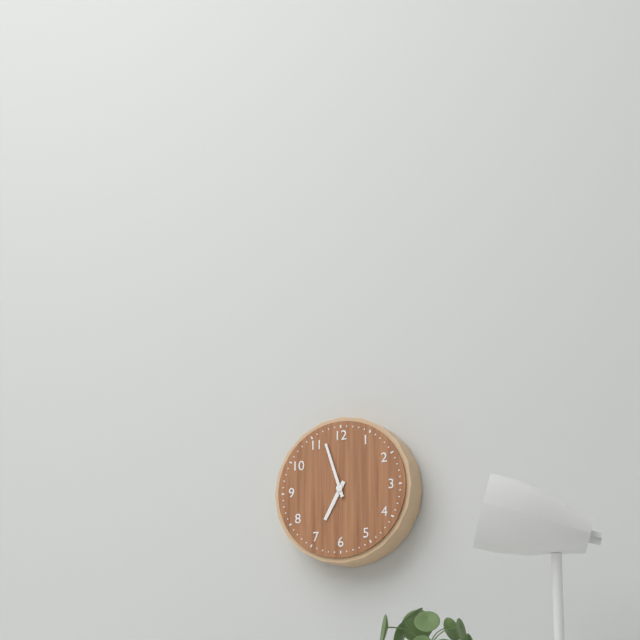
6:57
